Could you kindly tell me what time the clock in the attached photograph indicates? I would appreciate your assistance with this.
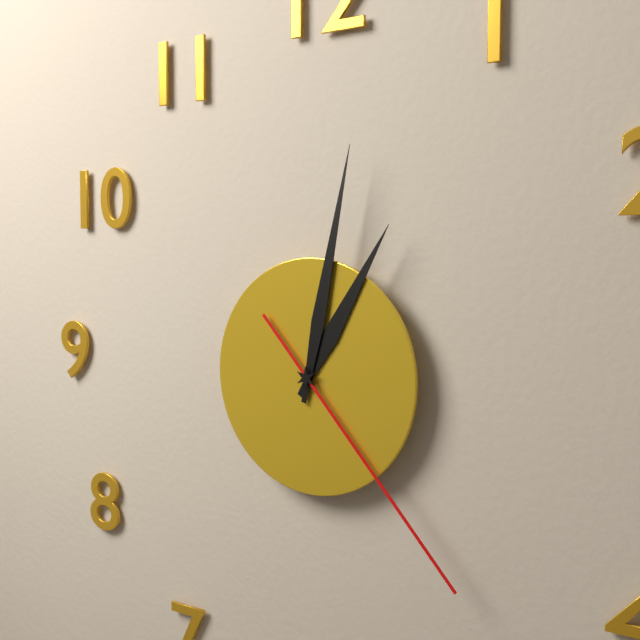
1:02:23
